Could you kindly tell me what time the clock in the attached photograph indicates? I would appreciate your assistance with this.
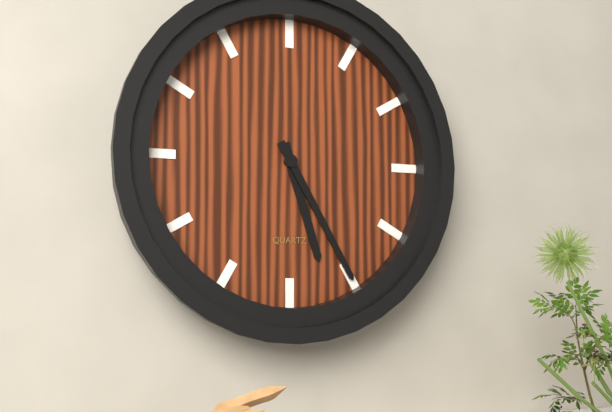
5:25
